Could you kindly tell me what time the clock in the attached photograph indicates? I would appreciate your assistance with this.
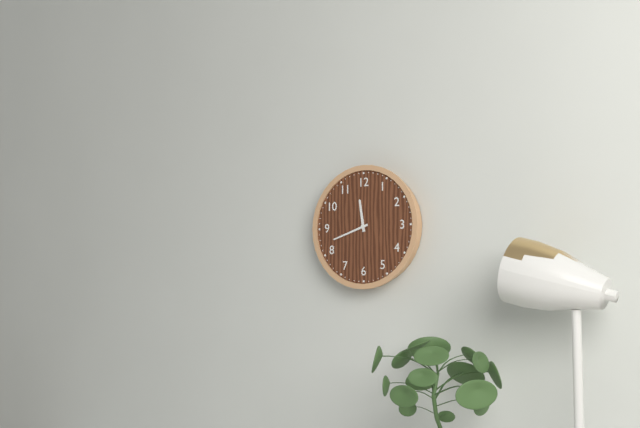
11:42
